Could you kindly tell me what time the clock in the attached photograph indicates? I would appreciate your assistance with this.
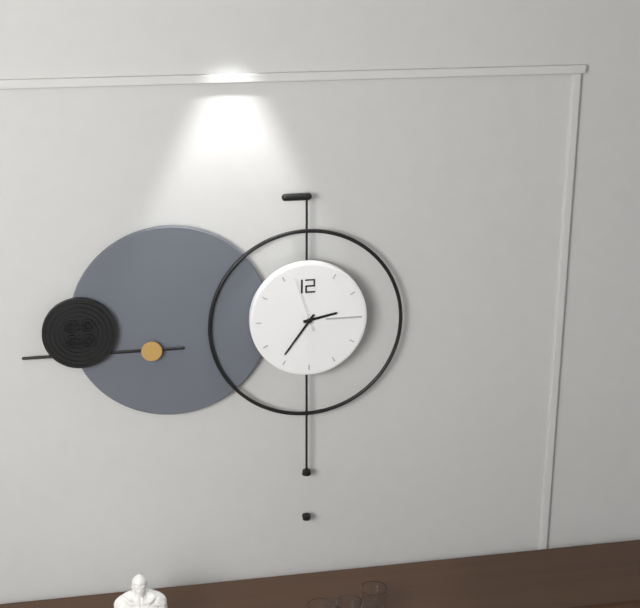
2:36
